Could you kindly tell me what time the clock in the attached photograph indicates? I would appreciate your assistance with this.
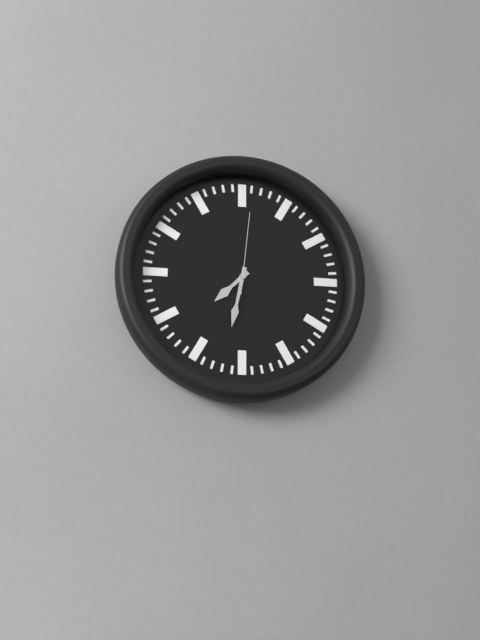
7:32:01
